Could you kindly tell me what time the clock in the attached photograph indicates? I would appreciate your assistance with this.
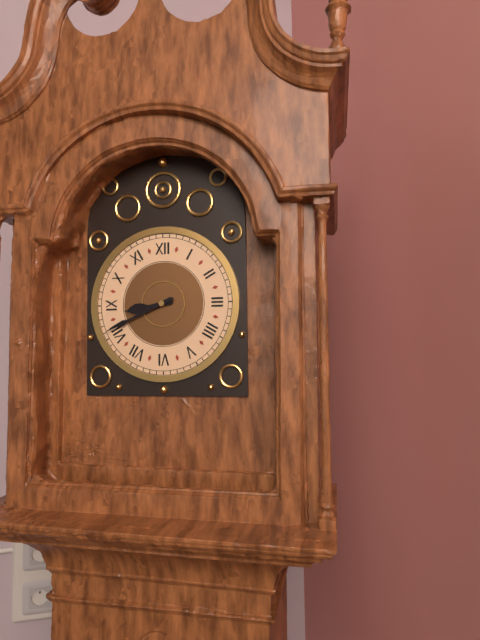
8:41
